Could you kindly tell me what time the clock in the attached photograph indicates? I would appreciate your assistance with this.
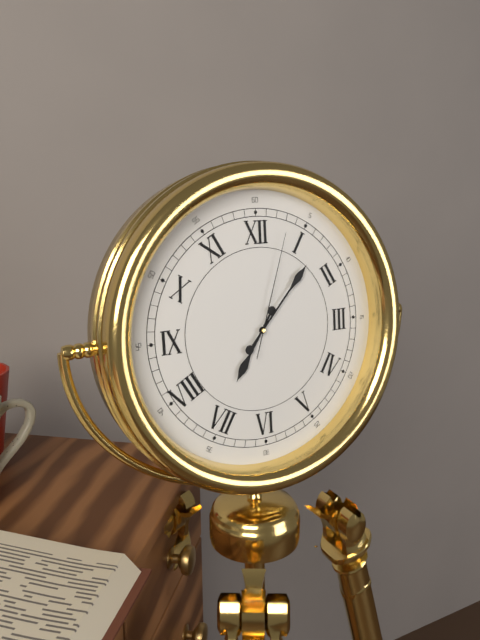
7:07:03
